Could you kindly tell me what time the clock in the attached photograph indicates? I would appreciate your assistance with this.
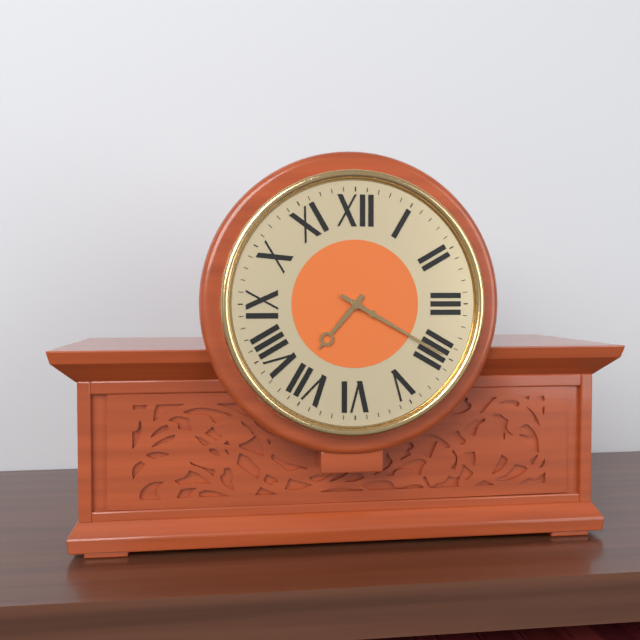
7:20
